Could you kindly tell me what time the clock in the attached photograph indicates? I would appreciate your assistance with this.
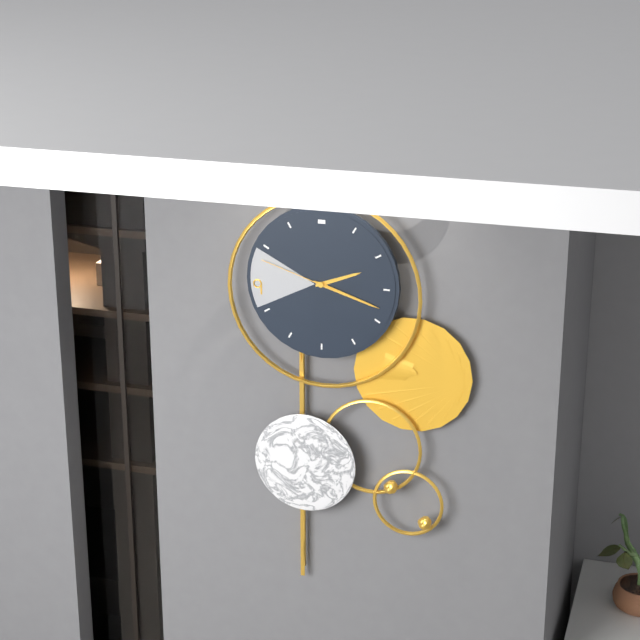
2:18:48
